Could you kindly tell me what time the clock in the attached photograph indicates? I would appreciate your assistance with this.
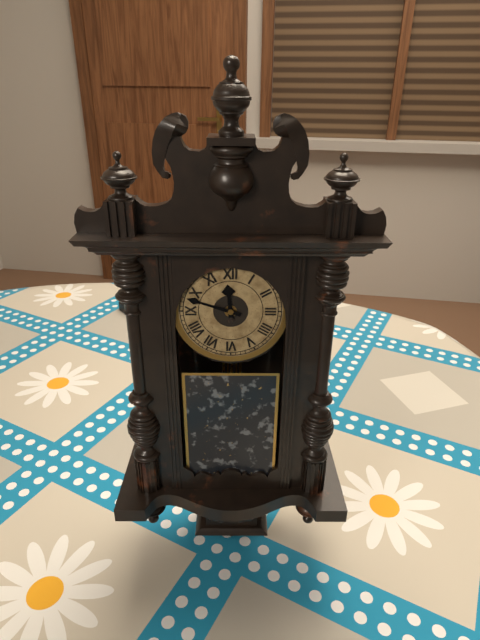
11:48
